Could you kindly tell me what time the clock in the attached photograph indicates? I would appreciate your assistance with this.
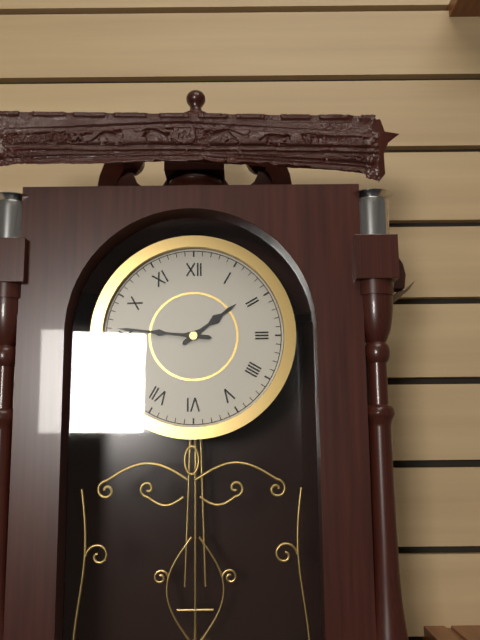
1:46
